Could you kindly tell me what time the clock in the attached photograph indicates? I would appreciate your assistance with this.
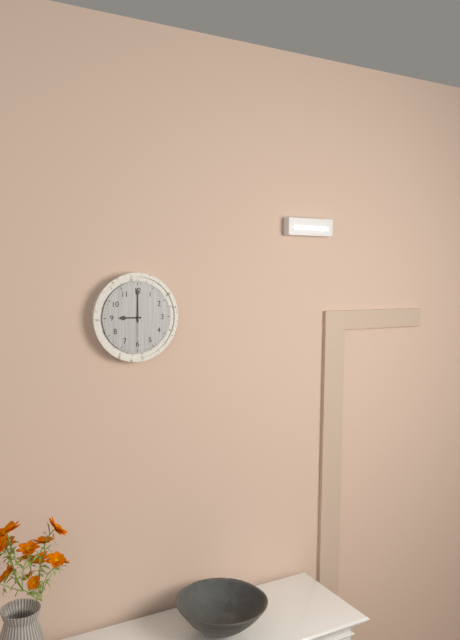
9:00
